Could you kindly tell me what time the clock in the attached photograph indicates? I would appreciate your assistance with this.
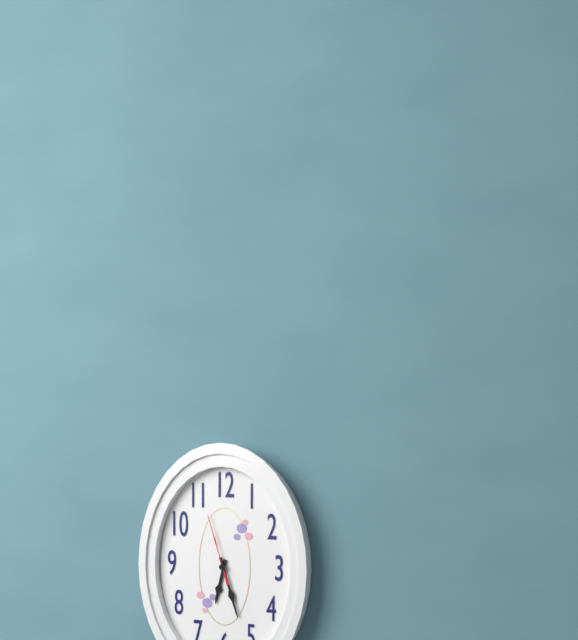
6:27:57
